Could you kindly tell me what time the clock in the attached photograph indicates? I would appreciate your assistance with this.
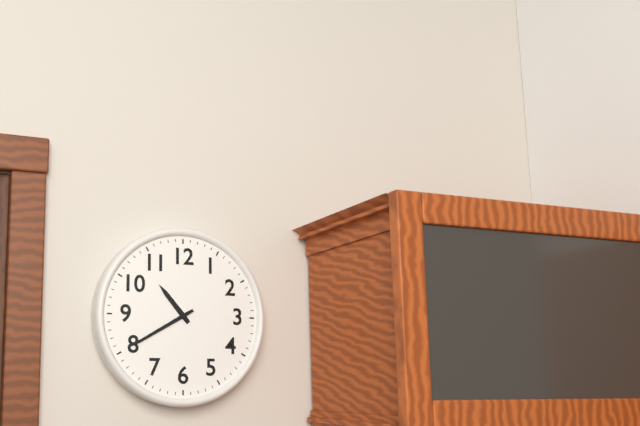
10:40
